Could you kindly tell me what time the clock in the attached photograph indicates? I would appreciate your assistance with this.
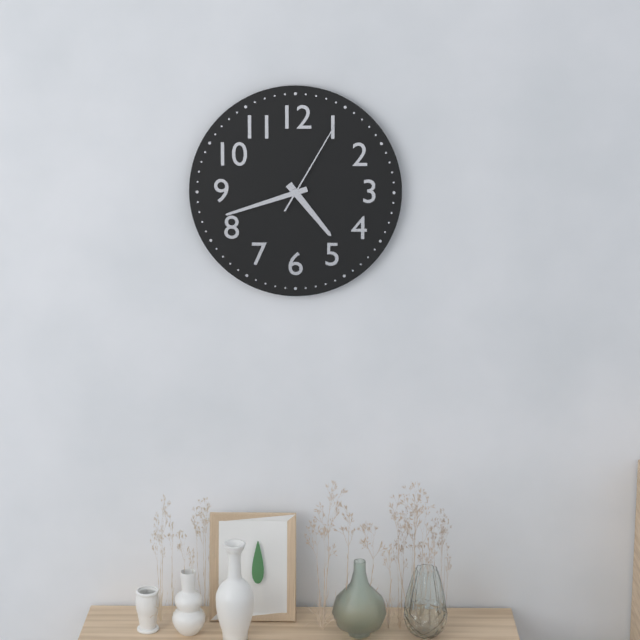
4:42:05
